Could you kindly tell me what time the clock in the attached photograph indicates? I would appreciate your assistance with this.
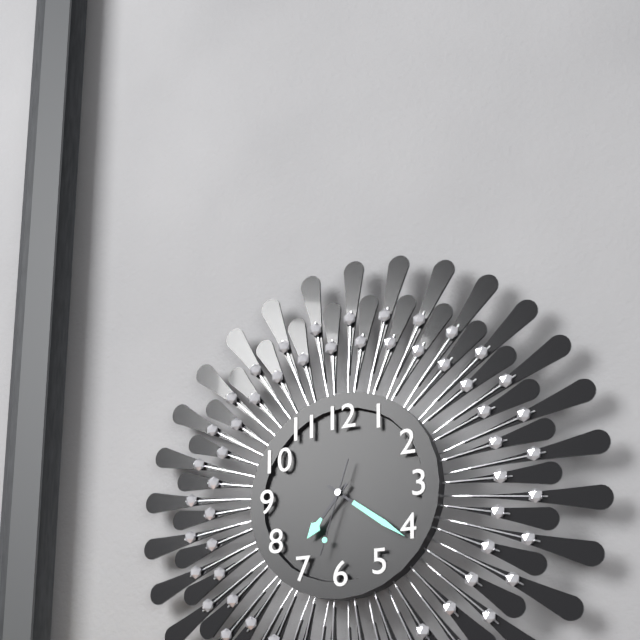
7:21:33
